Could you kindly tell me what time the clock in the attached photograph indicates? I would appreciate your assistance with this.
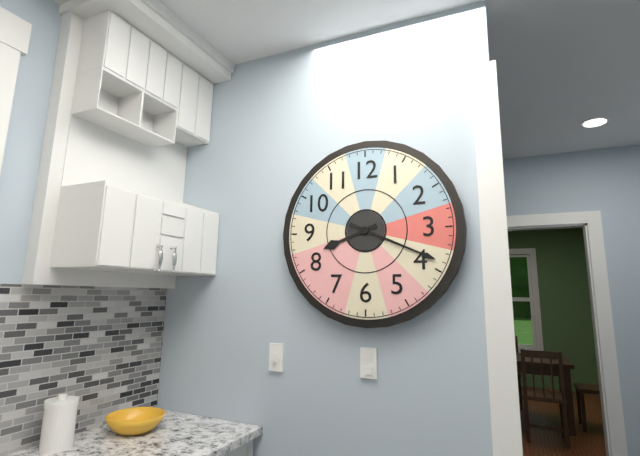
8:19
